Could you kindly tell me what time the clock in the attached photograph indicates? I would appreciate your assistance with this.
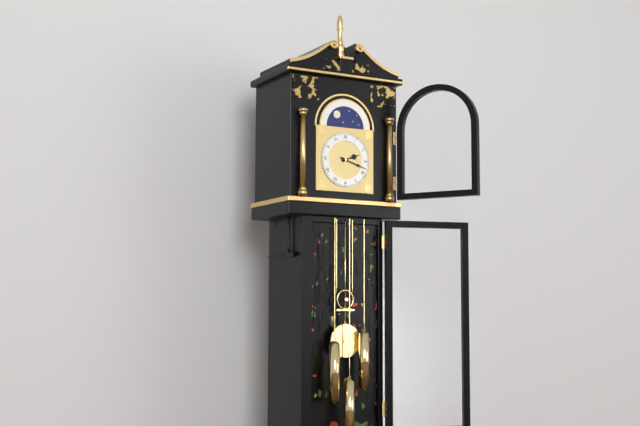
2:18
